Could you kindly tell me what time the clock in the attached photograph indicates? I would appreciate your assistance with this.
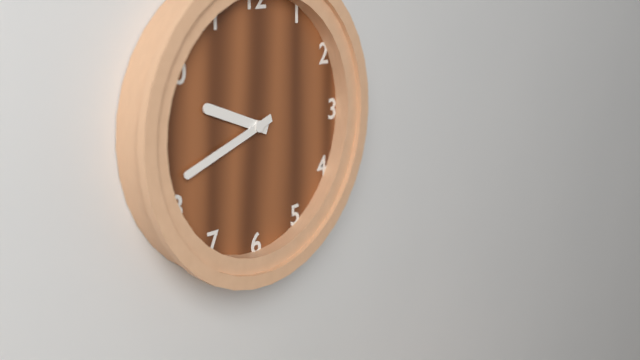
9:42
